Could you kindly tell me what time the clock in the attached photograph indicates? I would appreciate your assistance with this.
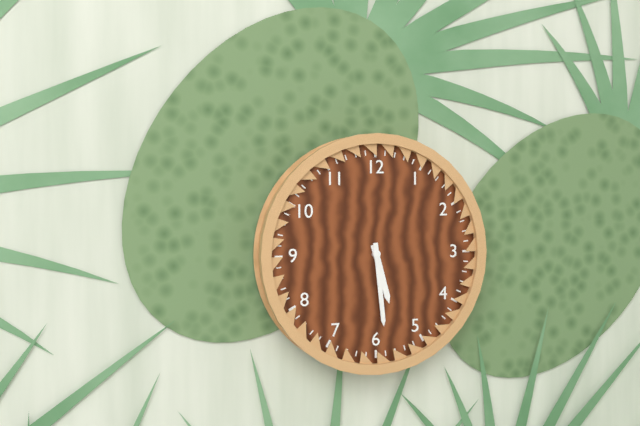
5:29
